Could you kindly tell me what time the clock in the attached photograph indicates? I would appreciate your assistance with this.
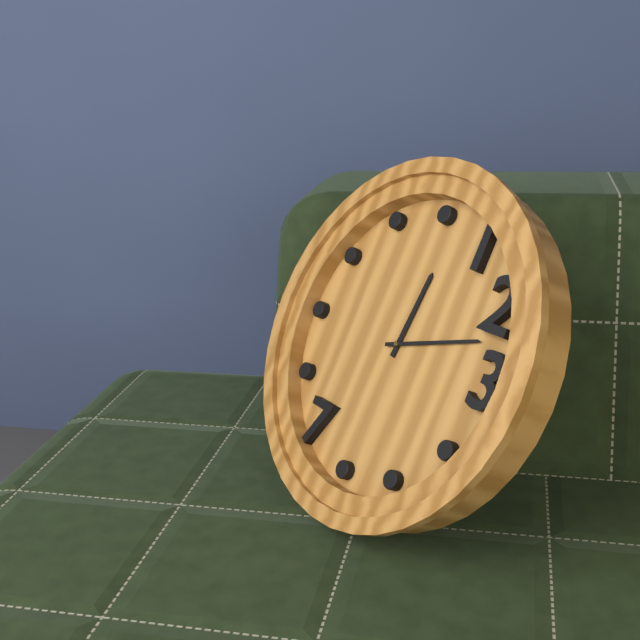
12:12
